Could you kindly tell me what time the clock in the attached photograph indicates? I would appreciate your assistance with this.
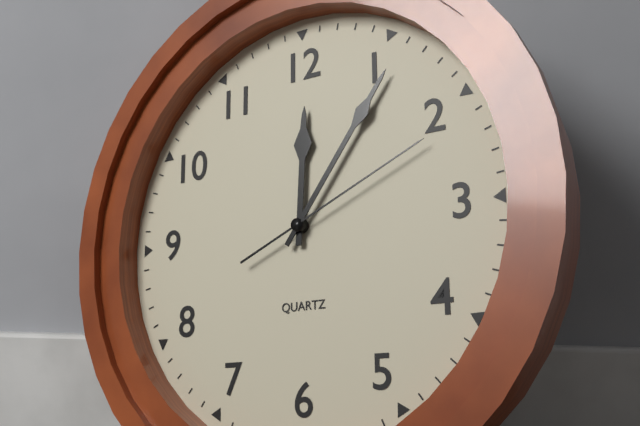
12:06:11
